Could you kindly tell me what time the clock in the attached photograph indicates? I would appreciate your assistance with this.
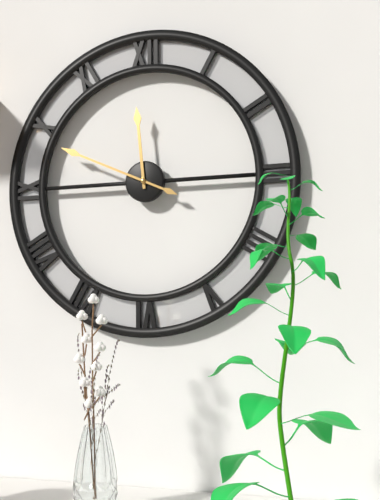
11:49
